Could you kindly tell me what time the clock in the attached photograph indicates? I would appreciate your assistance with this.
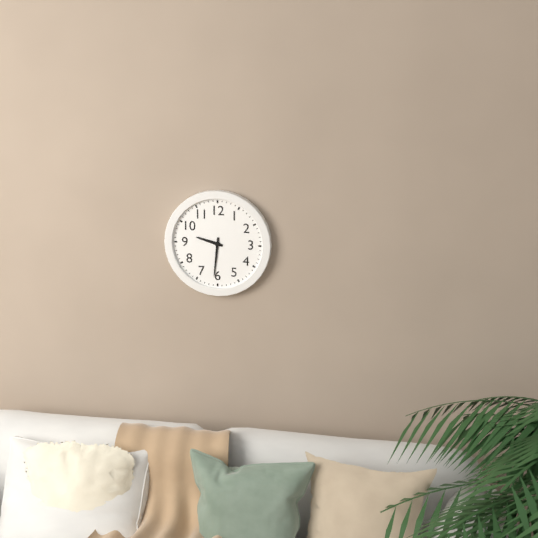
9:31
